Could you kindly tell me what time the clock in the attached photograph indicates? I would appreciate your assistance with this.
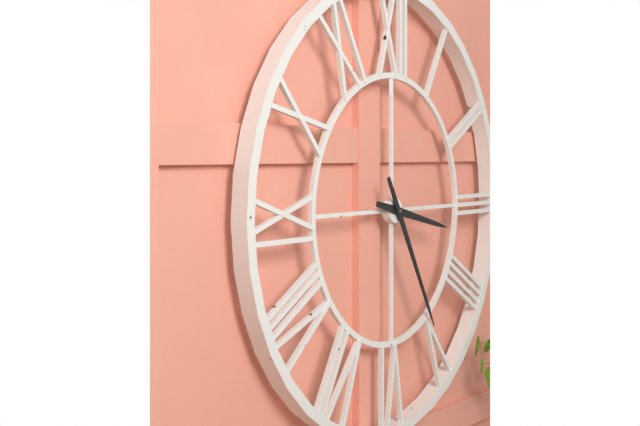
3:25
